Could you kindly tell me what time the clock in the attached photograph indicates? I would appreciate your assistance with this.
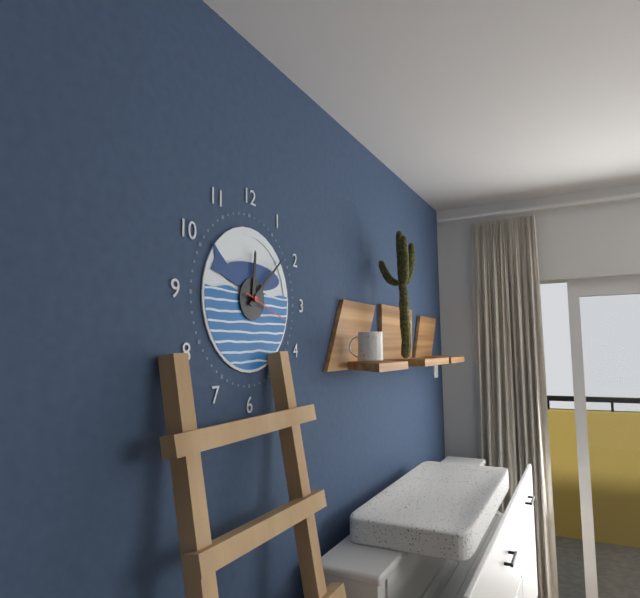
12:08
